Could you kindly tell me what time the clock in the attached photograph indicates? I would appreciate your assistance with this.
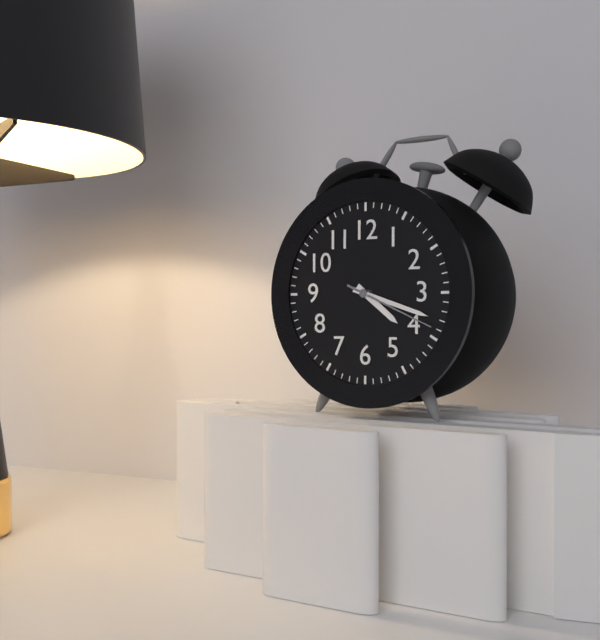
4:18:19
